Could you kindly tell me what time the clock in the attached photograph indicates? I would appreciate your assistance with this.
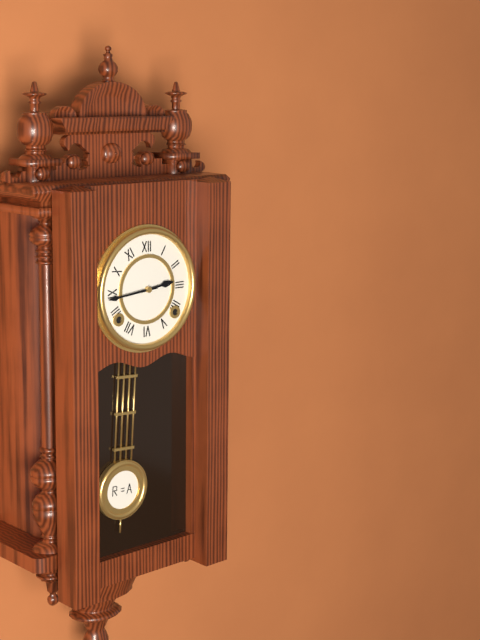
2:44
